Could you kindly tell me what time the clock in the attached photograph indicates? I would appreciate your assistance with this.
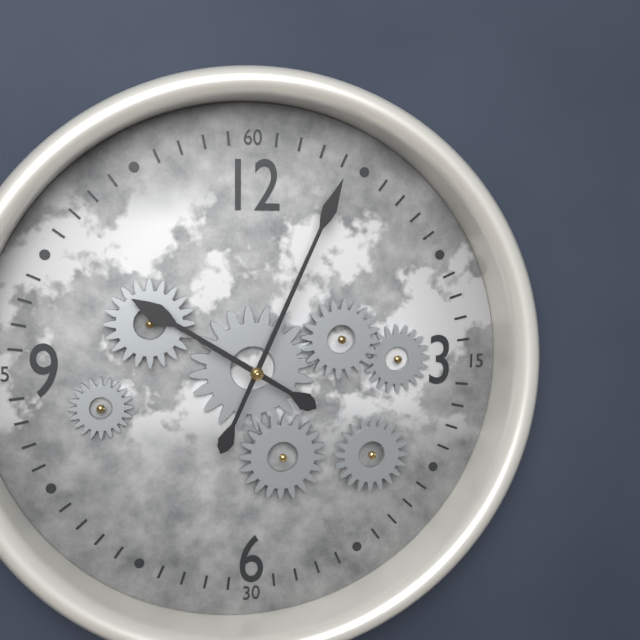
10:04
